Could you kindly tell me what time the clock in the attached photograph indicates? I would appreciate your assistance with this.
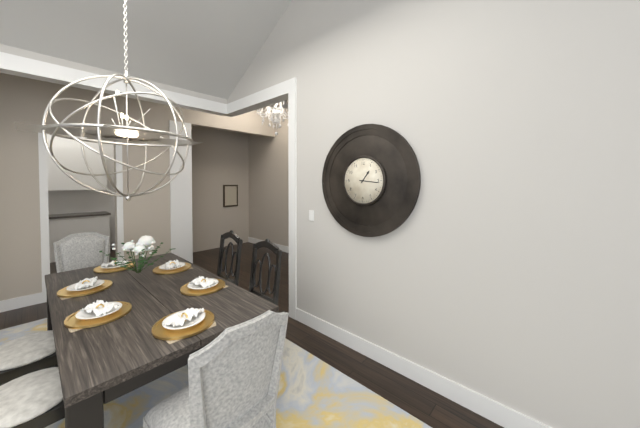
1:16
